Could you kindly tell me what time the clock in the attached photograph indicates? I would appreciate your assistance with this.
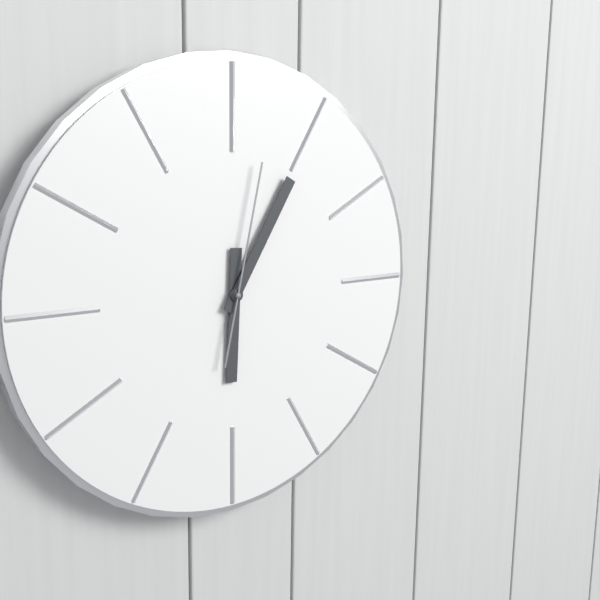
6:05:02
